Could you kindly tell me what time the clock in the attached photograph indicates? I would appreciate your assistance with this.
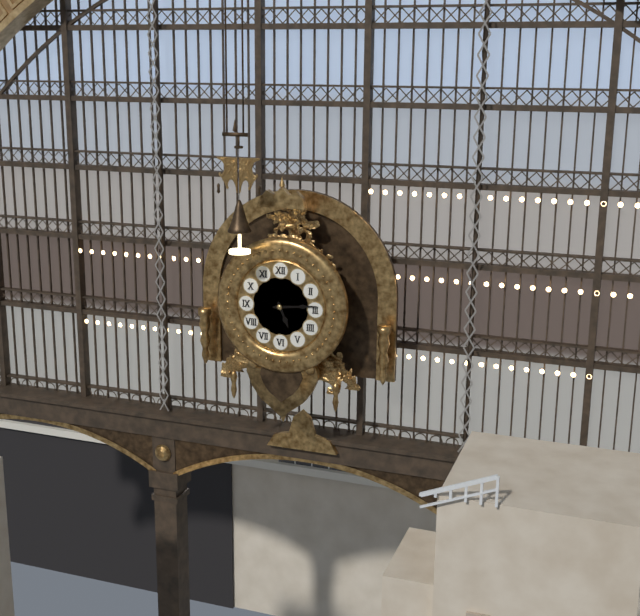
5:14
